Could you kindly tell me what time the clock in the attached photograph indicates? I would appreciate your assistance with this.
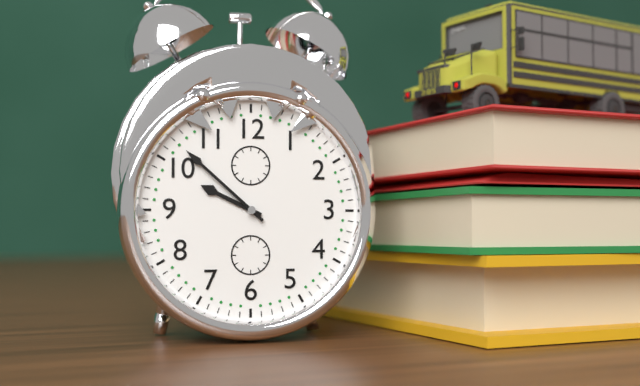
9:52
